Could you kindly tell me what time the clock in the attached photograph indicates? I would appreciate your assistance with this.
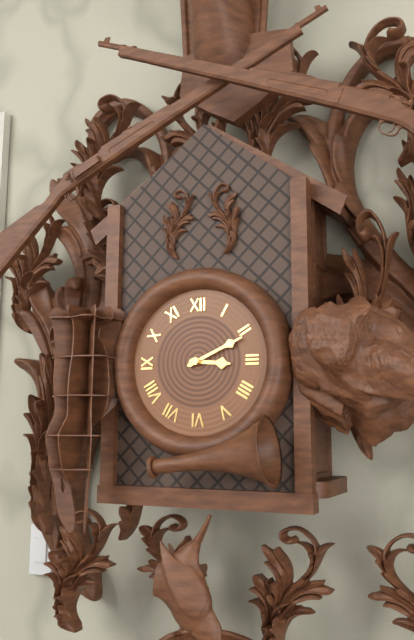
3:11
